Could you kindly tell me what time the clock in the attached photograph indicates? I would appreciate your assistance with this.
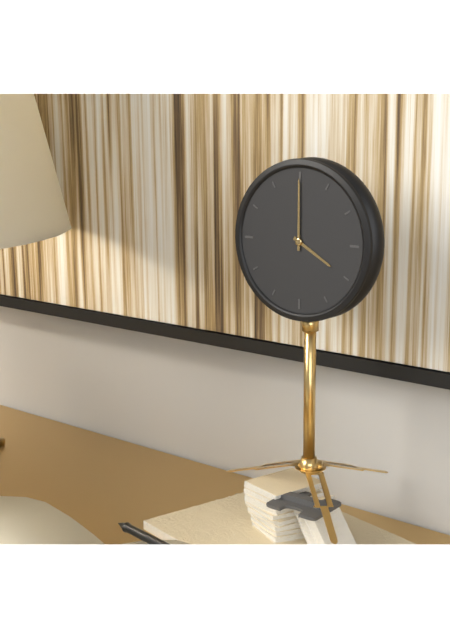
4:00
